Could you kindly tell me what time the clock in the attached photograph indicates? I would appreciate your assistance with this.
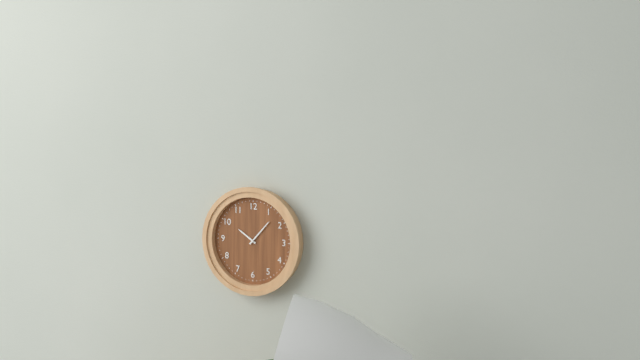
10:07
